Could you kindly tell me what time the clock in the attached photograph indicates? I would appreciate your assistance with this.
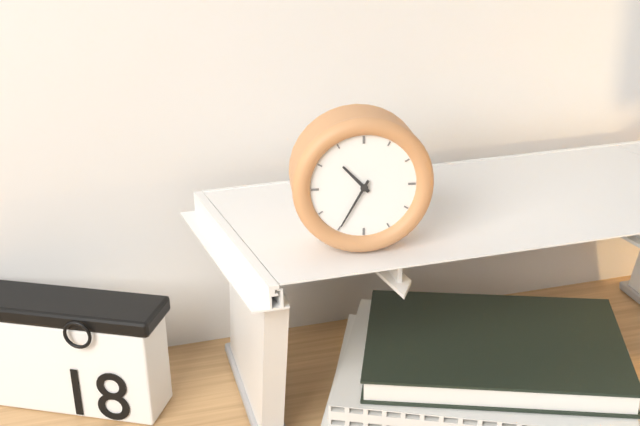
10:35
